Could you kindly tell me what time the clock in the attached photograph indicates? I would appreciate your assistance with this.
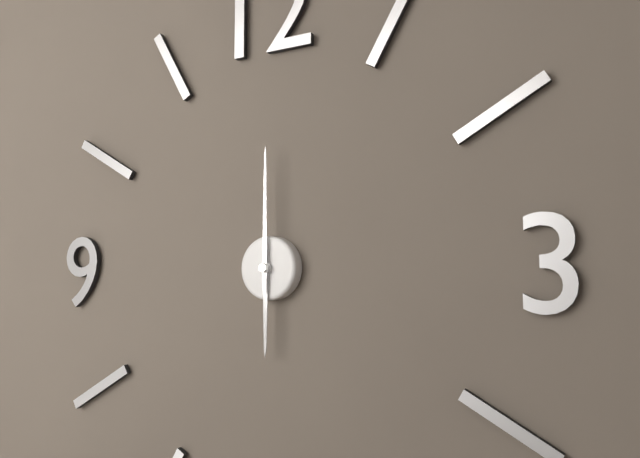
6:00
